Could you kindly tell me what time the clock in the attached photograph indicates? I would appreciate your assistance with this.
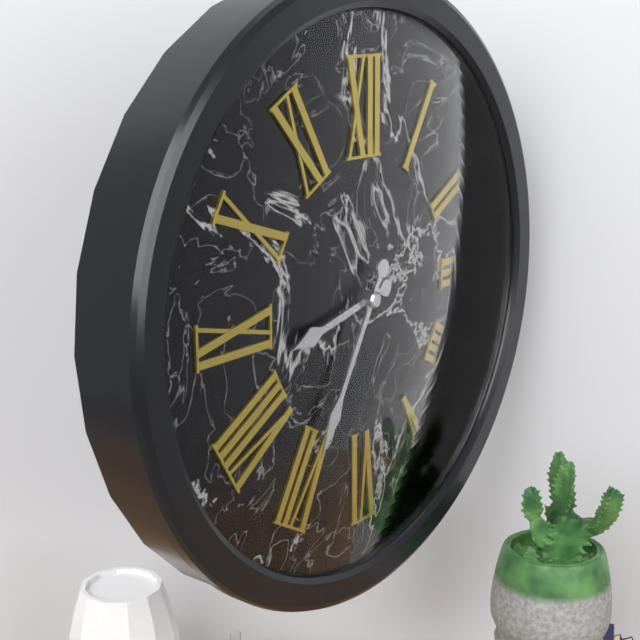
8:35
